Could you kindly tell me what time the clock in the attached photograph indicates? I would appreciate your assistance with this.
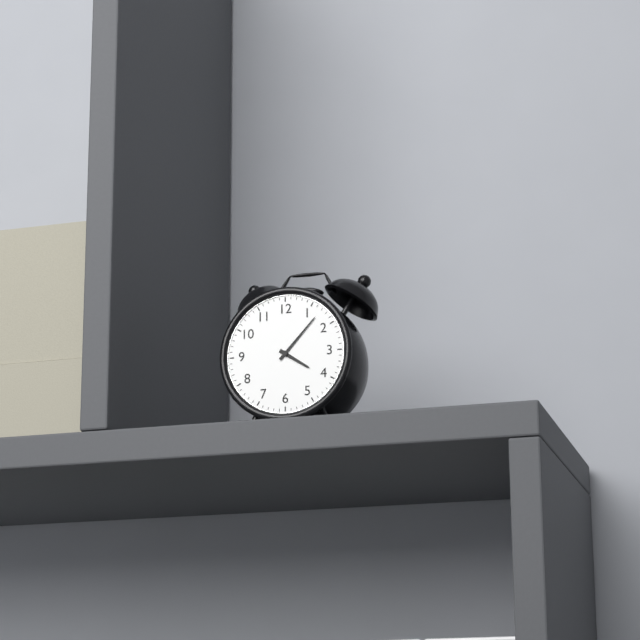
4:07
